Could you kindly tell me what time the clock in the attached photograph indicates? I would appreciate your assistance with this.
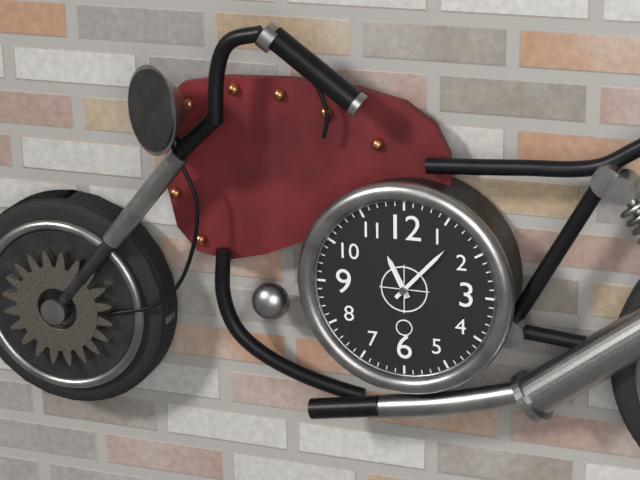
11:07
